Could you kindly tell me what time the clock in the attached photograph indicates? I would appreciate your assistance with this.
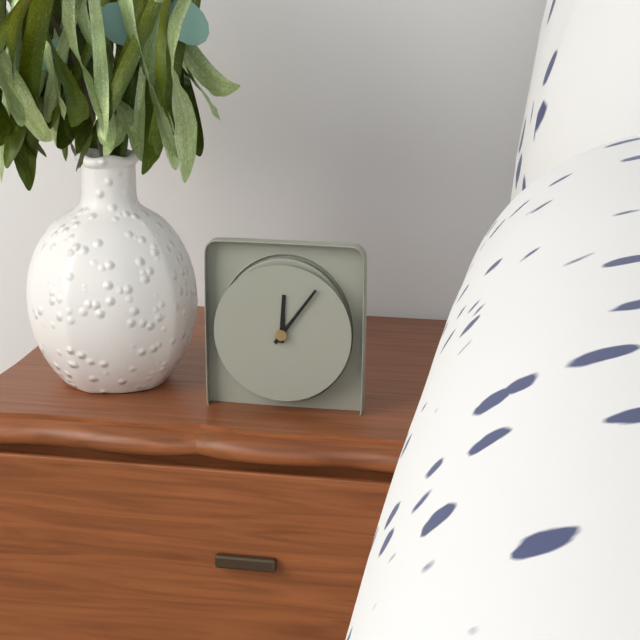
12:06
